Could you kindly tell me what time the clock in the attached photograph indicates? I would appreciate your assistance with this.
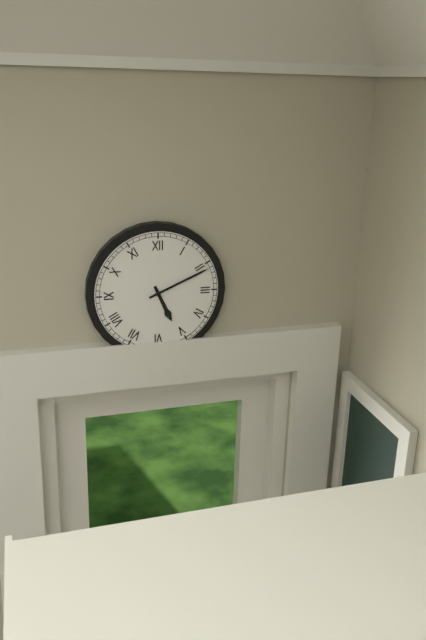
5:11
